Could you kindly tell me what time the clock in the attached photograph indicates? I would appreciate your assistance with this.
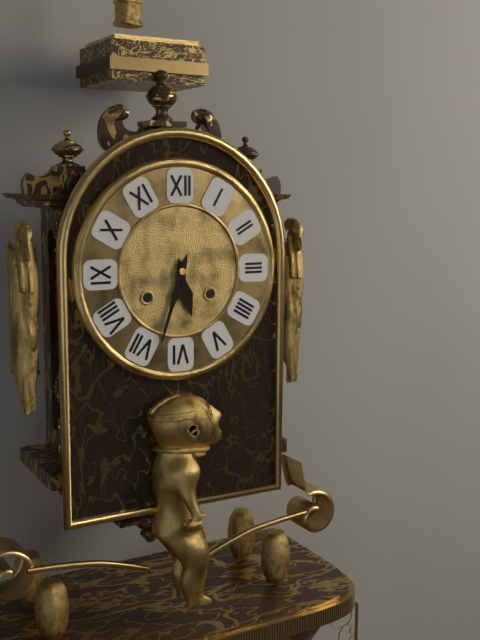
5:33
